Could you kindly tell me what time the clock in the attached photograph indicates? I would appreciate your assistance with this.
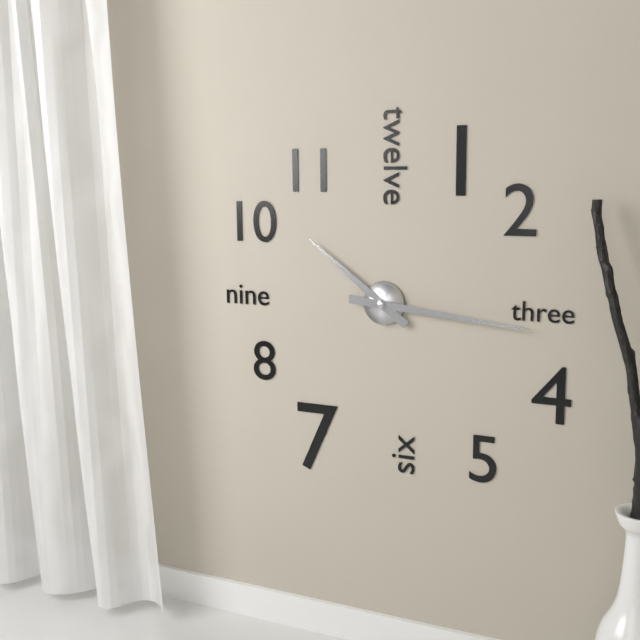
10:16
